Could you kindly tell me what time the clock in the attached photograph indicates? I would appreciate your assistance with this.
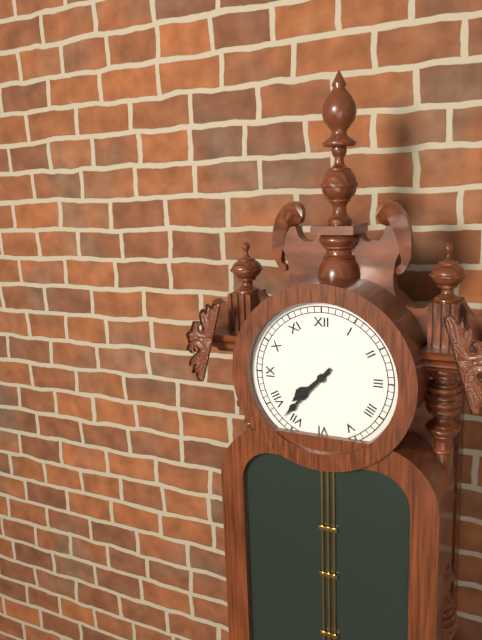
7:37
